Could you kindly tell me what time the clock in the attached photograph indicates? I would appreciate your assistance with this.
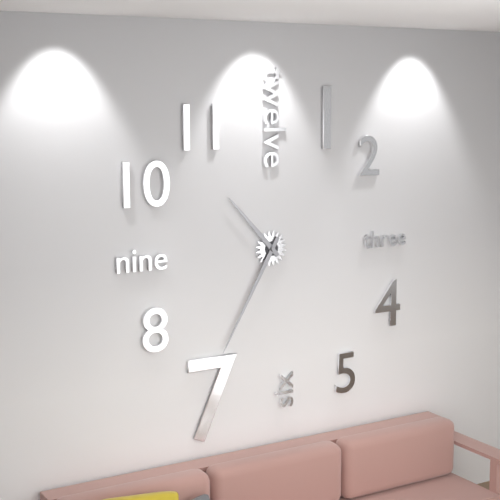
10:35
